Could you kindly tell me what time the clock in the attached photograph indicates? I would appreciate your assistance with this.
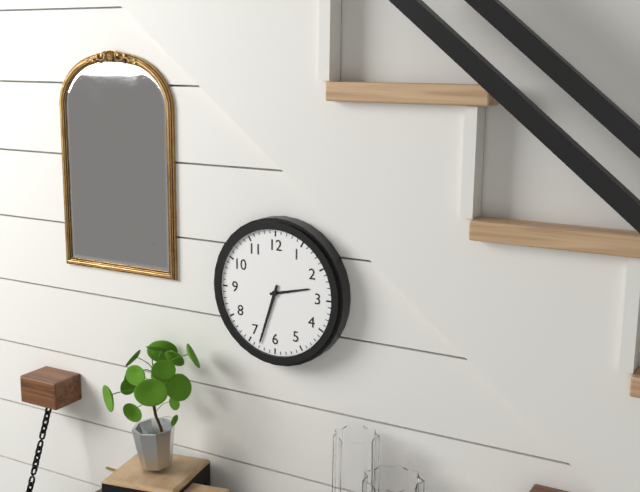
2:33
